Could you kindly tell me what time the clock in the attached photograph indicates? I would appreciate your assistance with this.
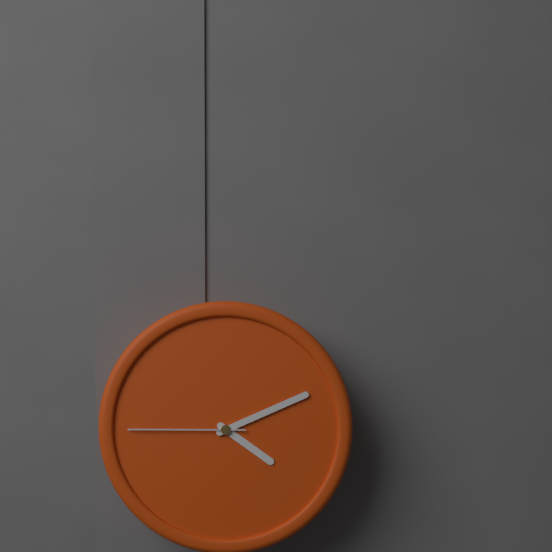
4:11:45
